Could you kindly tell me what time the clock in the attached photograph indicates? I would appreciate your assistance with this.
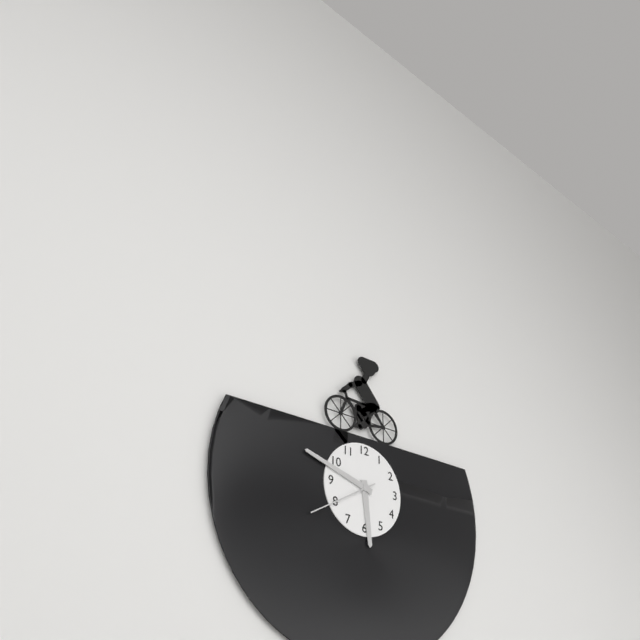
5:48:40
